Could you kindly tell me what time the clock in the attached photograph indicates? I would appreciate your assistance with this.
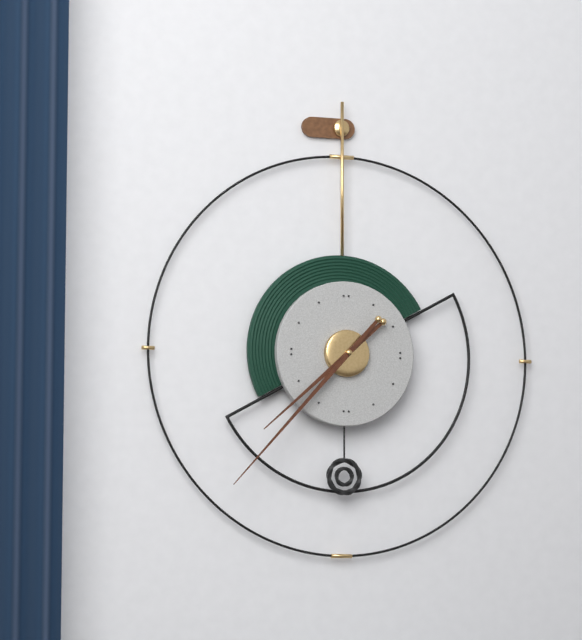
7:37
